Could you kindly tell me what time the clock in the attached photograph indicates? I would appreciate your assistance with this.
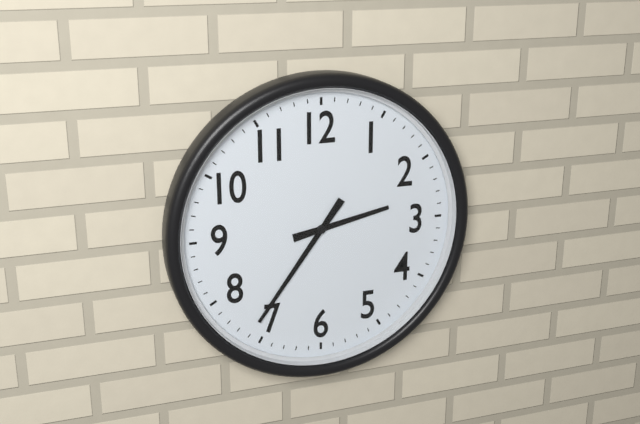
2:36
